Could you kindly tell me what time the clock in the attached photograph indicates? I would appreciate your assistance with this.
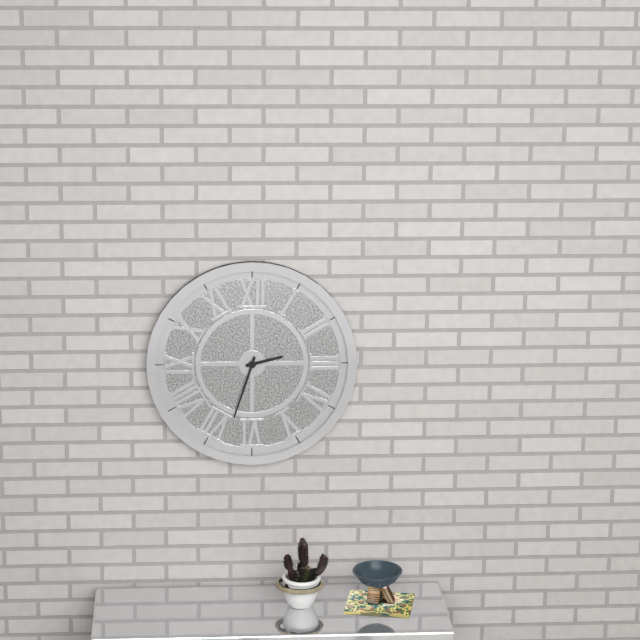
2:33
